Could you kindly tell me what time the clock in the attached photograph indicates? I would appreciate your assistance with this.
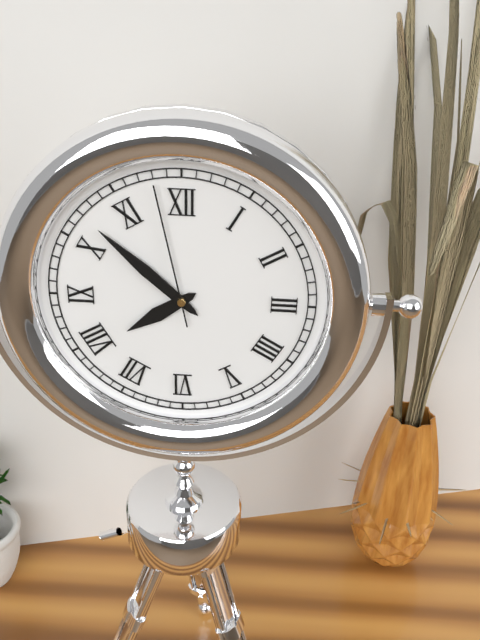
7:52:58
